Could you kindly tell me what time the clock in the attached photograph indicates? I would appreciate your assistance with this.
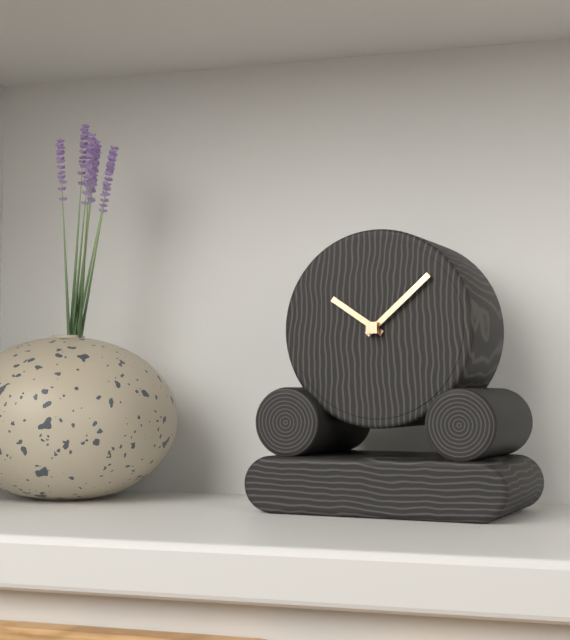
10:08
